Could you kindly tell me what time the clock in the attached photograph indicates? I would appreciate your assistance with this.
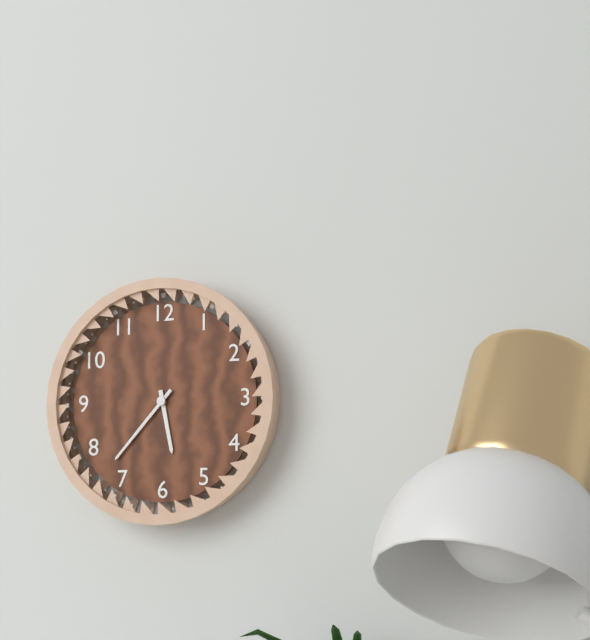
5:37
